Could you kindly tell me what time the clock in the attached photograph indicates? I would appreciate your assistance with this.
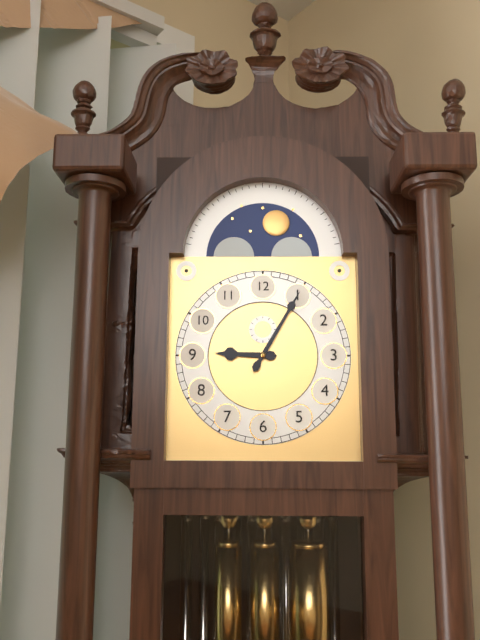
9:05
